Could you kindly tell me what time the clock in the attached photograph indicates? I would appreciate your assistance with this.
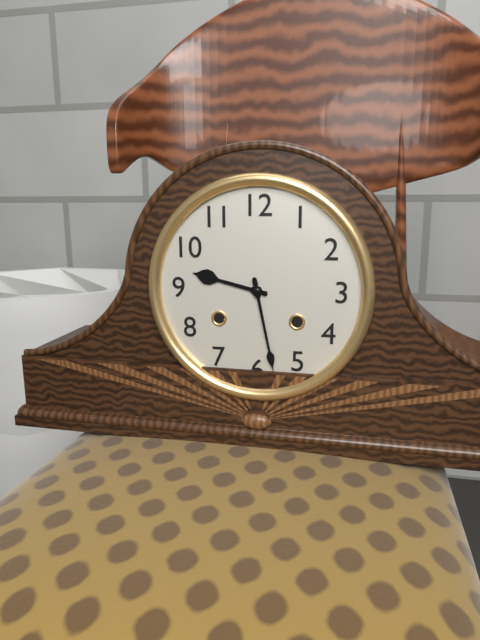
9:28
